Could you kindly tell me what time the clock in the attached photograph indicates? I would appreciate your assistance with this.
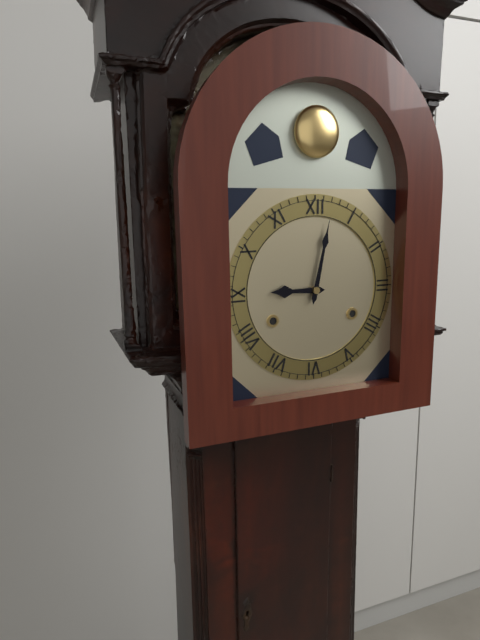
9:02
